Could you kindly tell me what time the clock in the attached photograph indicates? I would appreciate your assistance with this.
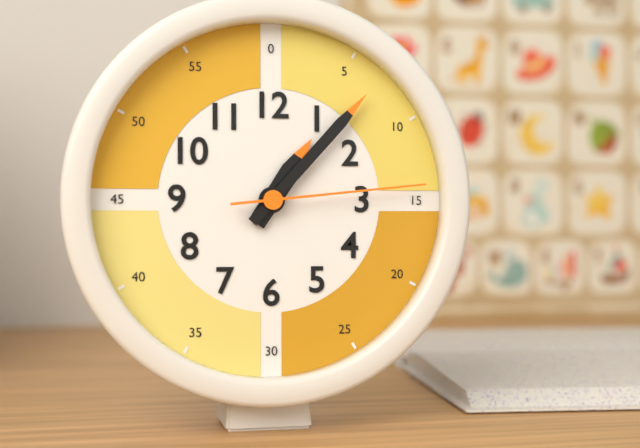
1:07:14
